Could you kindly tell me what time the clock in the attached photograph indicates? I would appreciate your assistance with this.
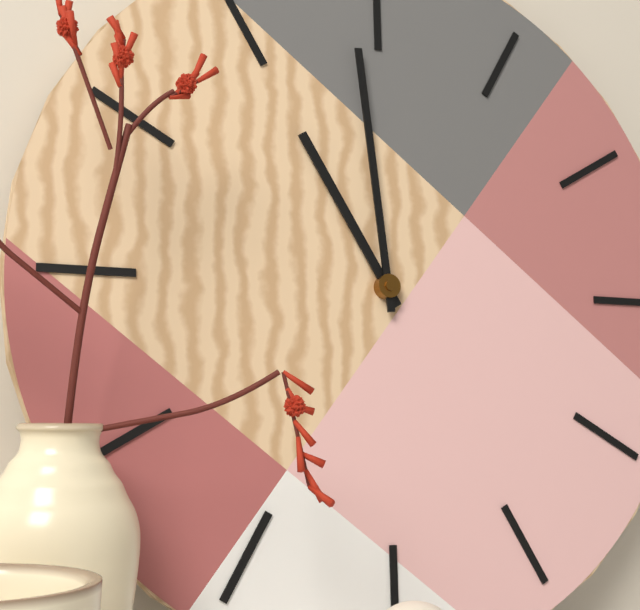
10:59
